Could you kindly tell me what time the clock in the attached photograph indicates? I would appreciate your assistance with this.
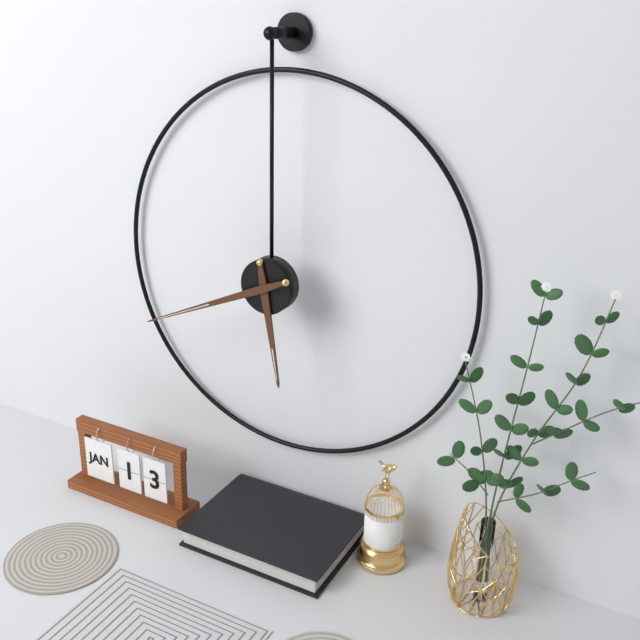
5:41
